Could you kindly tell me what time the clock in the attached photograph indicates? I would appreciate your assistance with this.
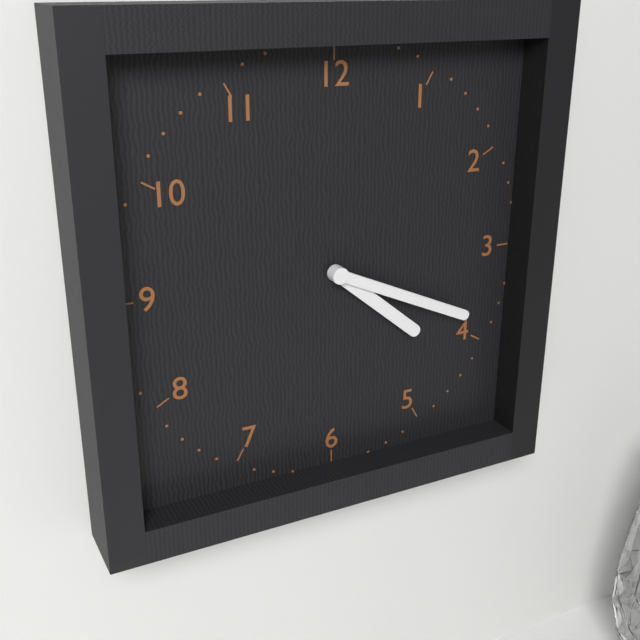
4:19
